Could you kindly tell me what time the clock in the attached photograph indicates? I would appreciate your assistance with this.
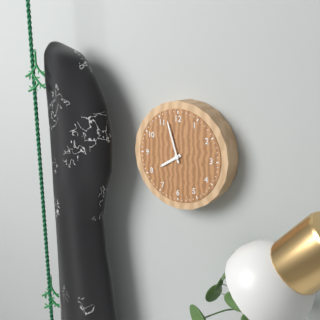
7:57
